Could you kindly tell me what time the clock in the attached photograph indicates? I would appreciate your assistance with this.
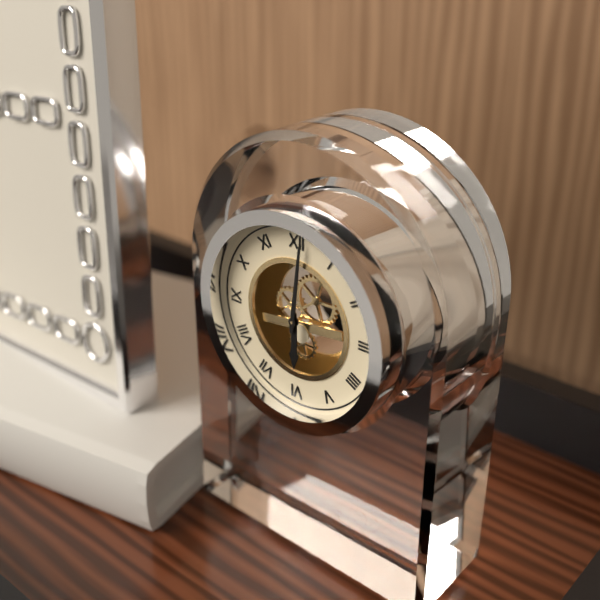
6:01
